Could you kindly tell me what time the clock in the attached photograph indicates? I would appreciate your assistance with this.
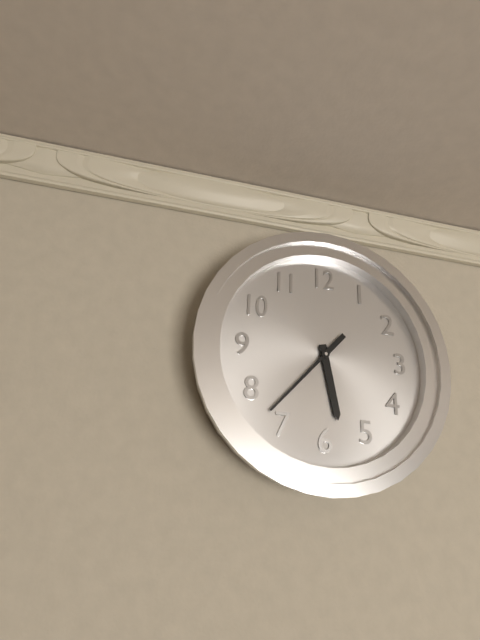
5:37
